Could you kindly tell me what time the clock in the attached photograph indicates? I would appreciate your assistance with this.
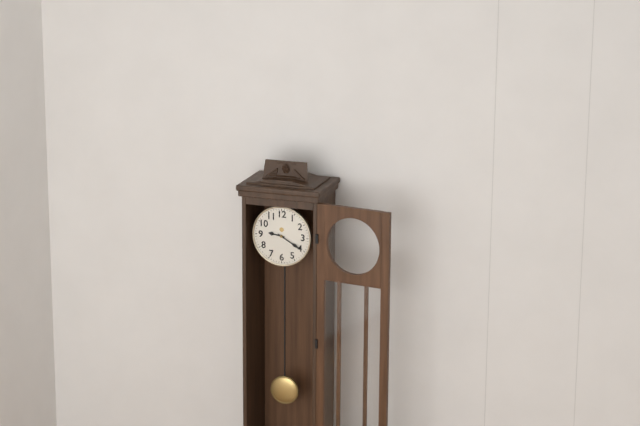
9:20
